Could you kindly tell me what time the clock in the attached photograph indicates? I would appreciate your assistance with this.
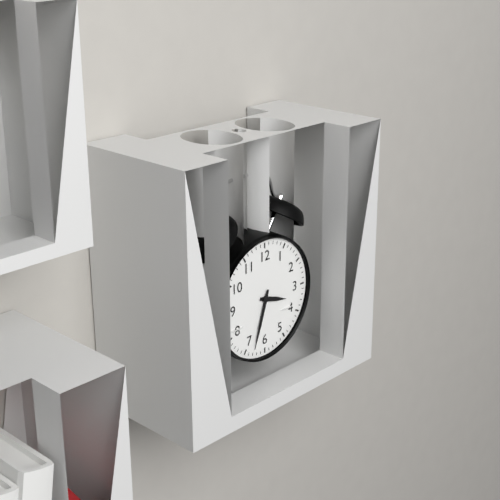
3:33
